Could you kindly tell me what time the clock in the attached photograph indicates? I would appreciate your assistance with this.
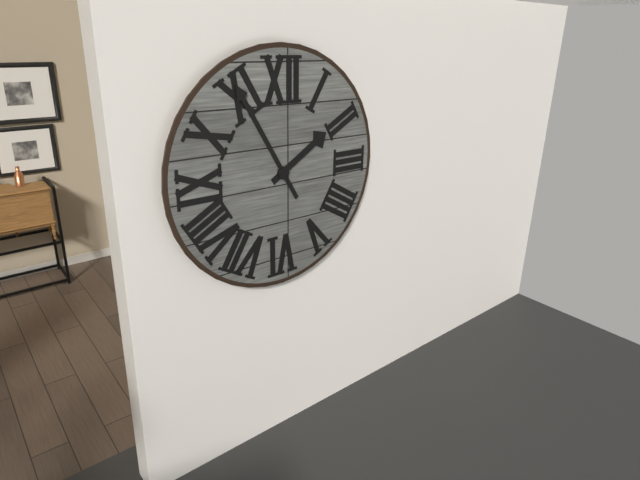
1:55
